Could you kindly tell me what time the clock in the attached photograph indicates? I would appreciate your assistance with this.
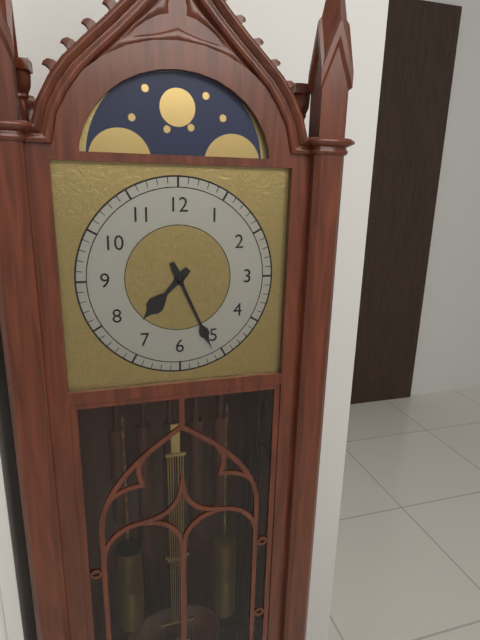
7:26
